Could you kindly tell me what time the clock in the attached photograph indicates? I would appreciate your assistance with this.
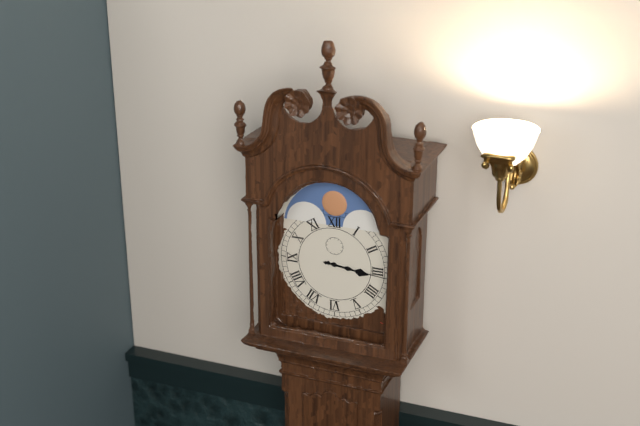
3:16
